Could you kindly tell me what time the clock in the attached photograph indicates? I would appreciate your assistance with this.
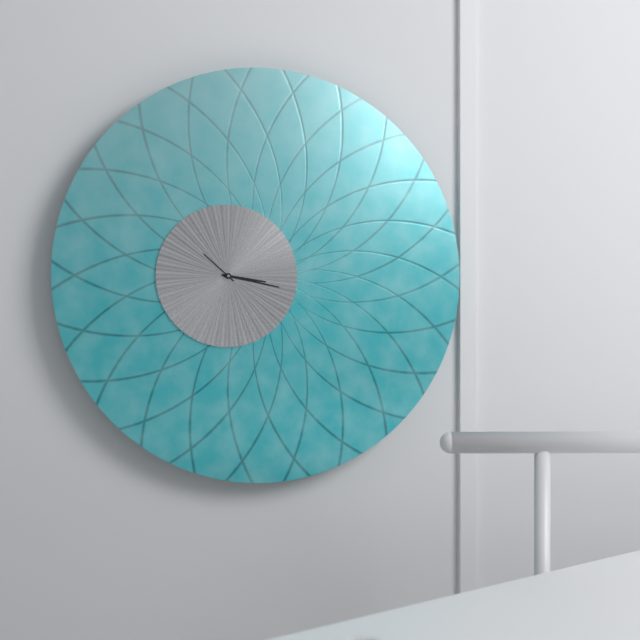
3:17
